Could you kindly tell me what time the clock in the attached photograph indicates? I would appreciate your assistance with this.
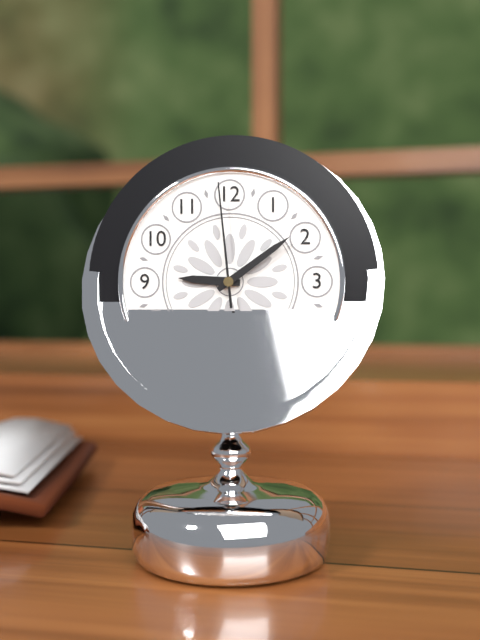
9:09:59
